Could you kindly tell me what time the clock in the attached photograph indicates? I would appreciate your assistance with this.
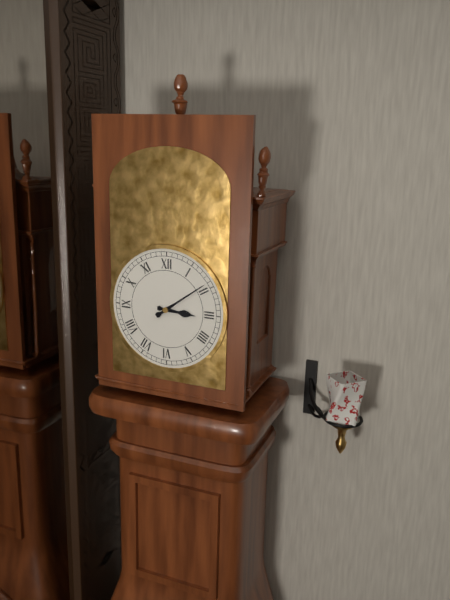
3:09
